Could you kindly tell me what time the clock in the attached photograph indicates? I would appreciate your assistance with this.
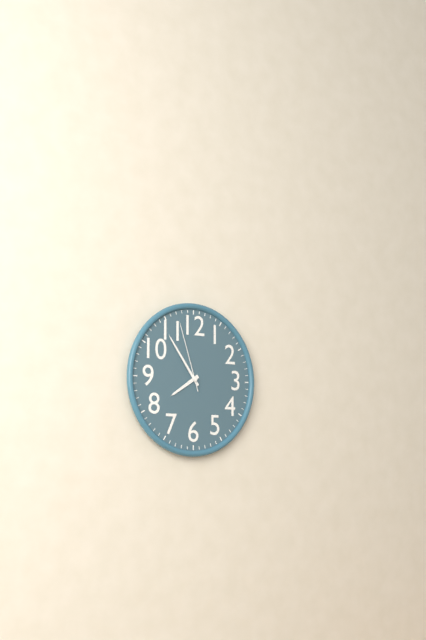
7:54:57
